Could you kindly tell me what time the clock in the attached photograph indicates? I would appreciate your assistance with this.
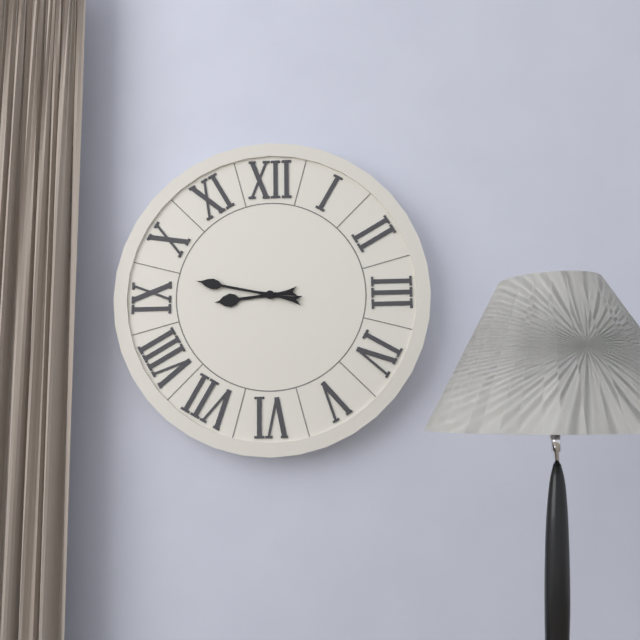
8:47
